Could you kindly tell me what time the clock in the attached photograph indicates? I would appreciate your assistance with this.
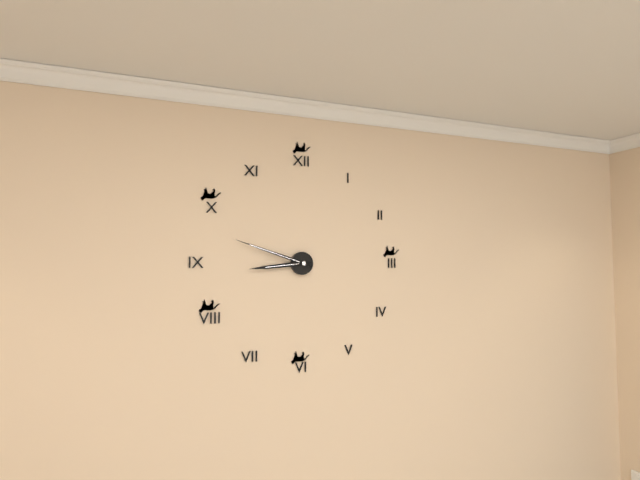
8:48
